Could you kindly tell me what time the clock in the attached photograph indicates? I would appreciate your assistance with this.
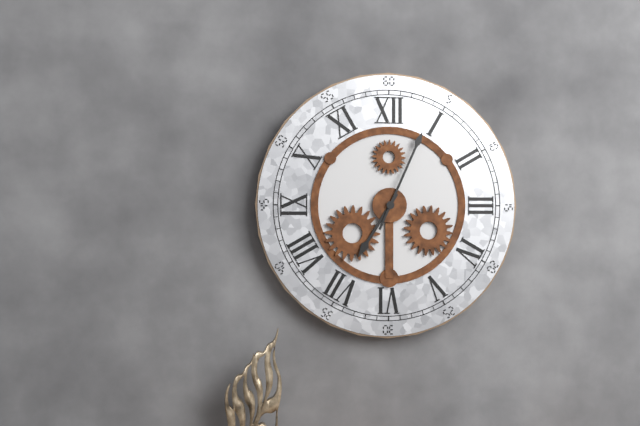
7:04
